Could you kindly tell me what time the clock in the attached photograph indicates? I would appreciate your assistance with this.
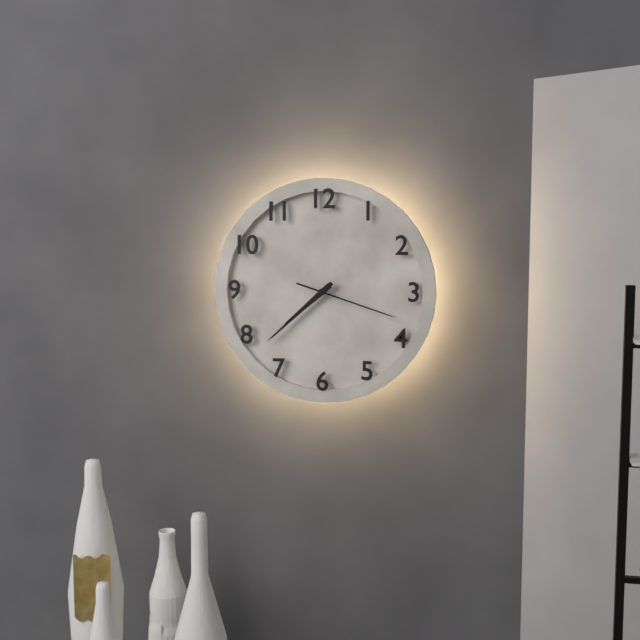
7:38:18
